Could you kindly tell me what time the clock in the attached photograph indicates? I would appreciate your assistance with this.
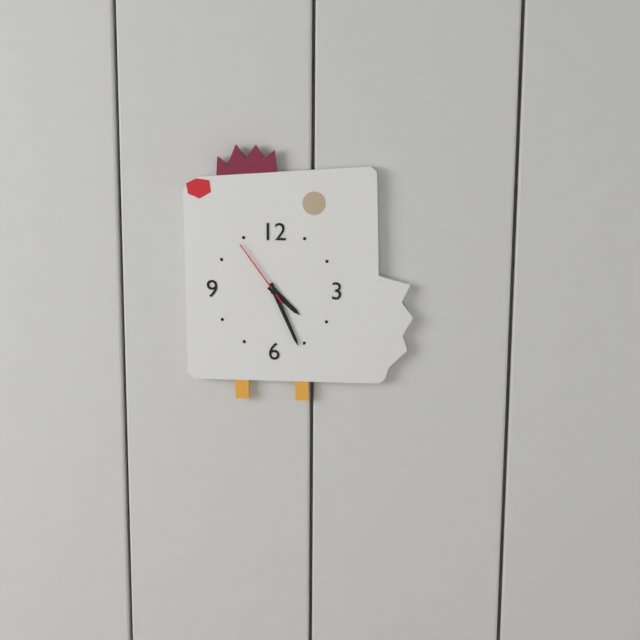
4:26:54
